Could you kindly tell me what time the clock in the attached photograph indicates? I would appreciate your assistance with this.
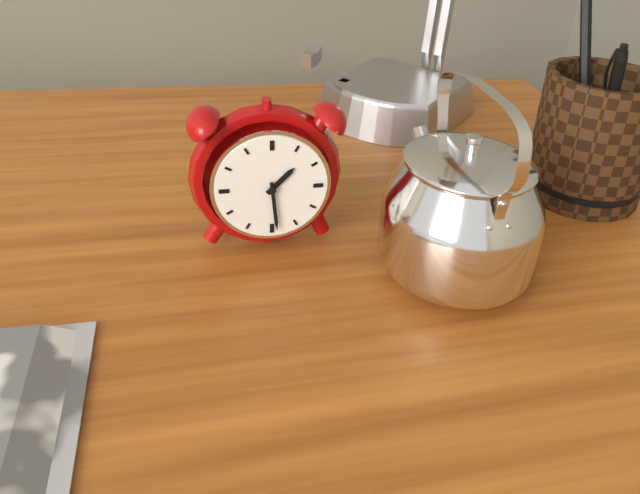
1:29
